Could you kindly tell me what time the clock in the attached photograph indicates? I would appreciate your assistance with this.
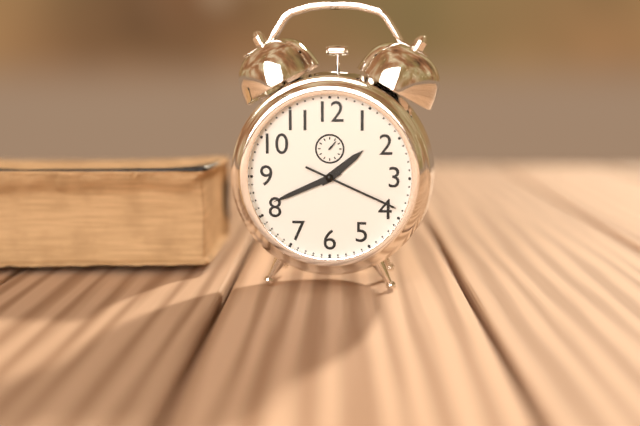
1:41:19
